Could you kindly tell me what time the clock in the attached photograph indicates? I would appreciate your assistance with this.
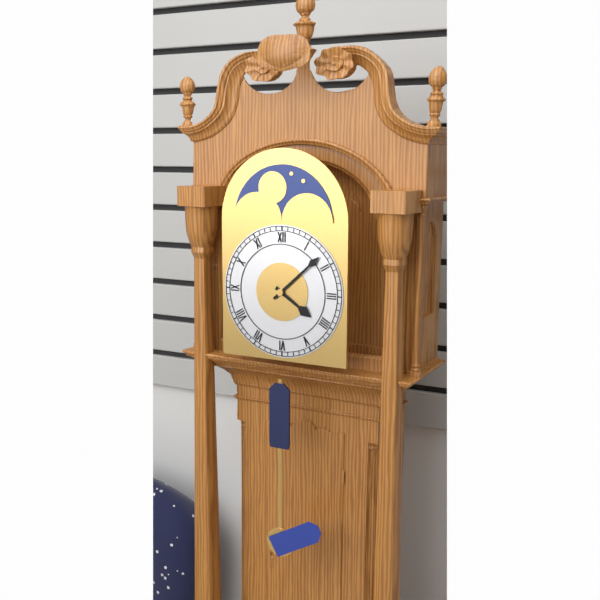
4:08
